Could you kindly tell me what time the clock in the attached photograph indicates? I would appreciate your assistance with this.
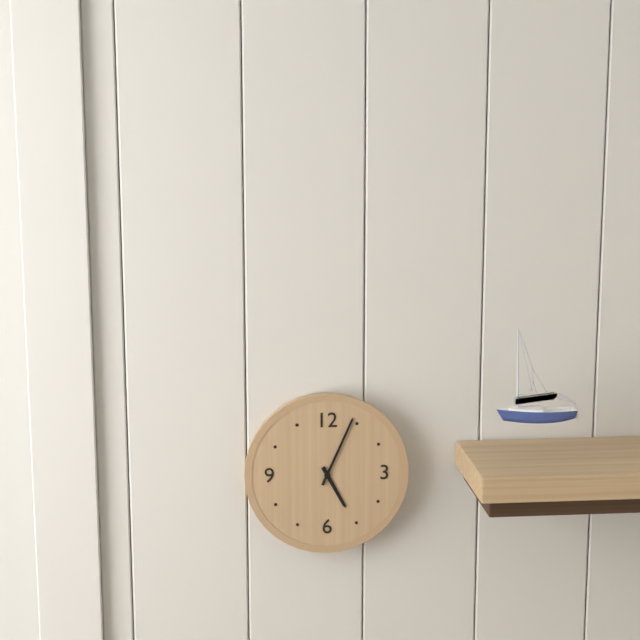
5:04
